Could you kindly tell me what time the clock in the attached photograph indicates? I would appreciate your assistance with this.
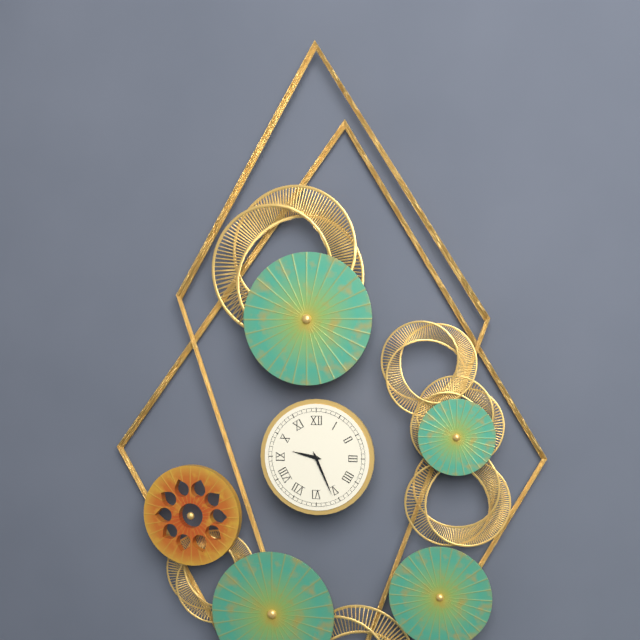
9:26
